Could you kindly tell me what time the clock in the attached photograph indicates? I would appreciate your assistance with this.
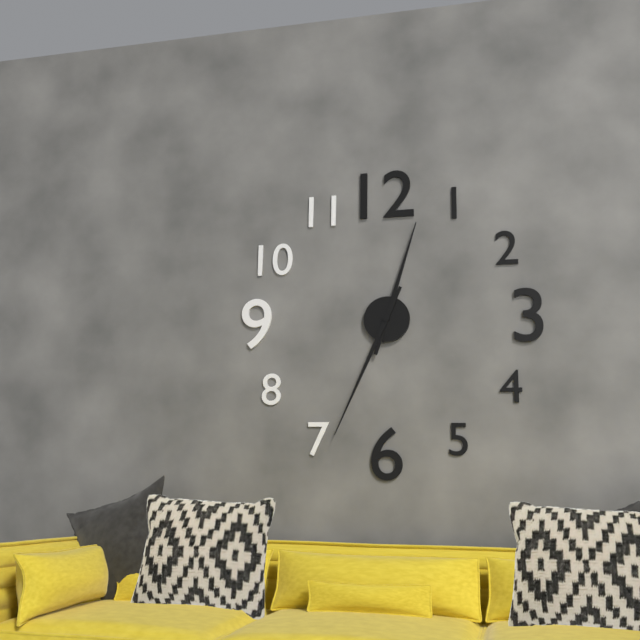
12:34
